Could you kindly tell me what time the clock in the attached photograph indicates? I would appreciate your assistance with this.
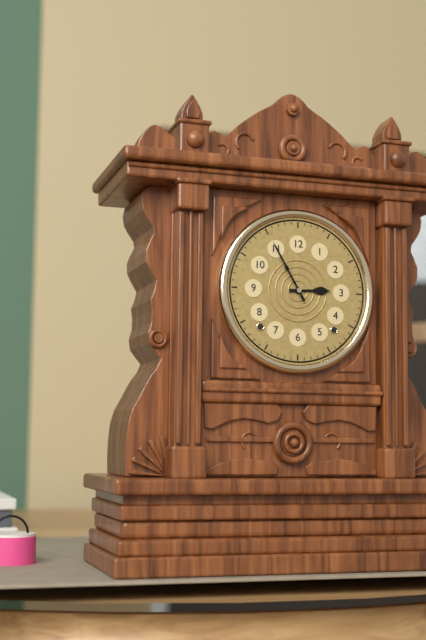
2:55
